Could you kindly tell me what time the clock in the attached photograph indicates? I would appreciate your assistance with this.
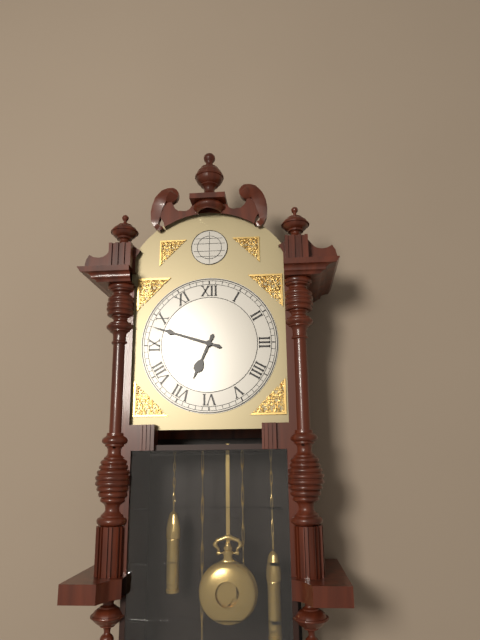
6:48
